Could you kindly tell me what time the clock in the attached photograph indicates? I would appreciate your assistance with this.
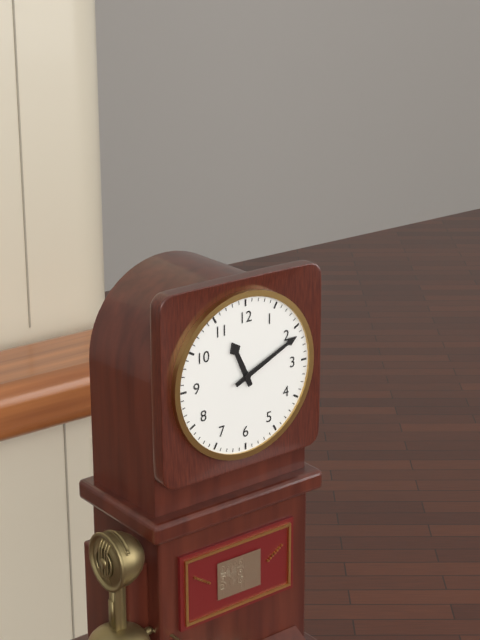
11:11
